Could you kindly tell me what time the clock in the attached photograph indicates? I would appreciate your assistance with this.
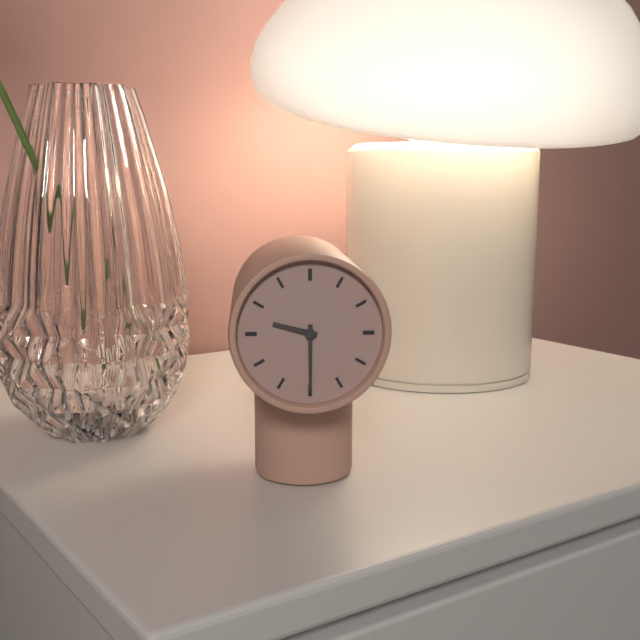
9:30
